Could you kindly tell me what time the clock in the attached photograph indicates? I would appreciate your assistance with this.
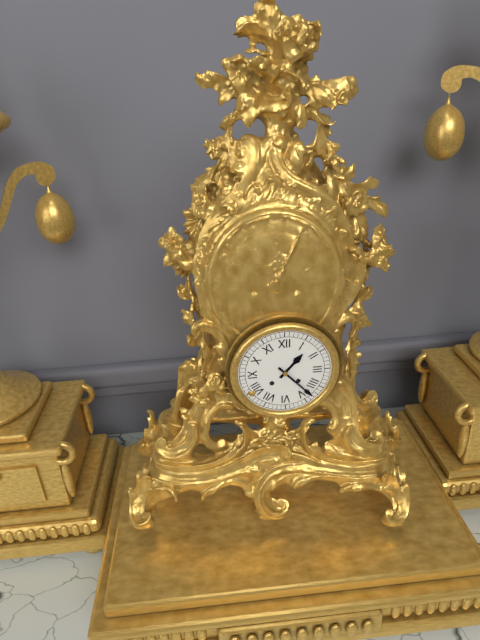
1:23
